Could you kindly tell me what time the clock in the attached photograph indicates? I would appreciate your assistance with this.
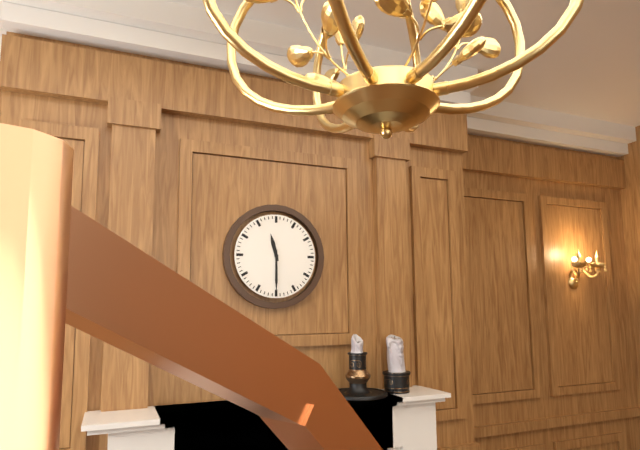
11:30
